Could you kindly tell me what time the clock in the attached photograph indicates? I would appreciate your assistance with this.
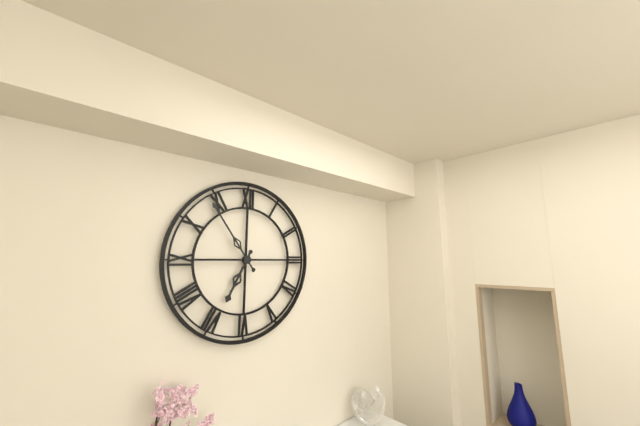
6:54
